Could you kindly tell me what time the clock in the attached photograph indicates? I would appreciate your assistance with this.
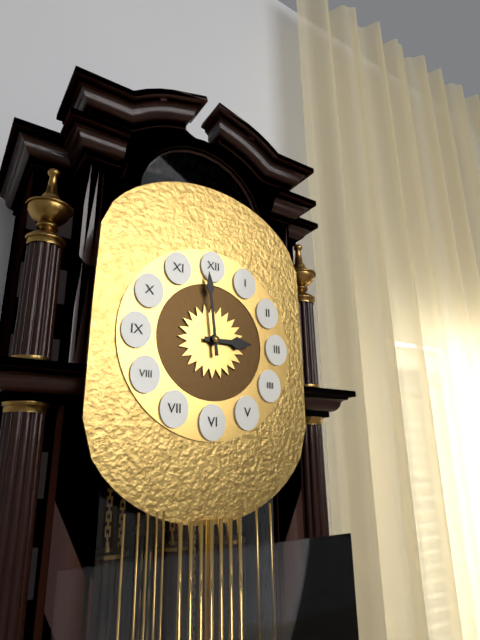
2:59
